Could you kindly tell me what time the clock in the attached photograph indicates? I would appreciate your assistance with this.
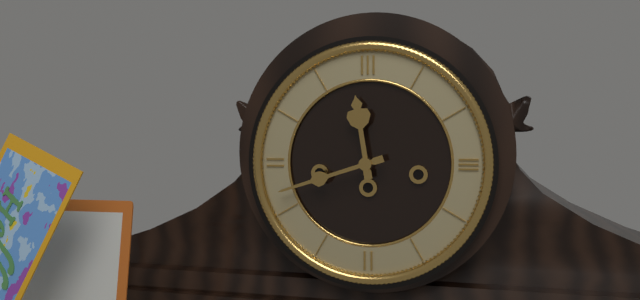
11:42
